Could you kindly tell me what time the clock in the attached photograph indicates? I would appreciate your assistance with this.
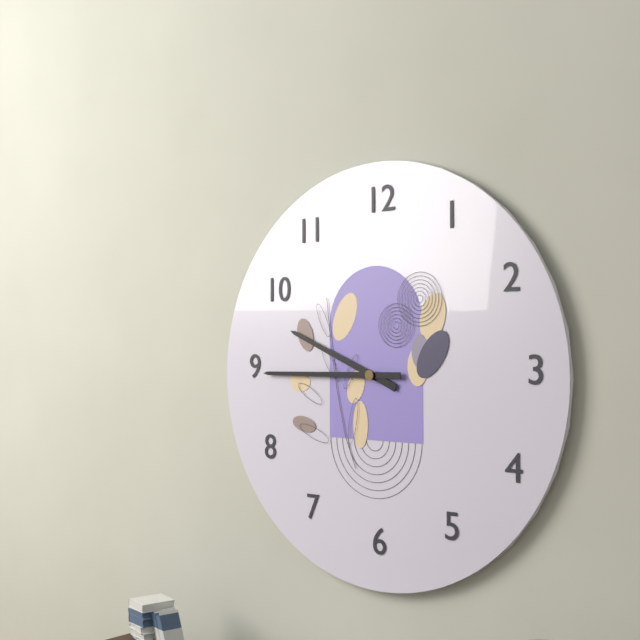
9:45
